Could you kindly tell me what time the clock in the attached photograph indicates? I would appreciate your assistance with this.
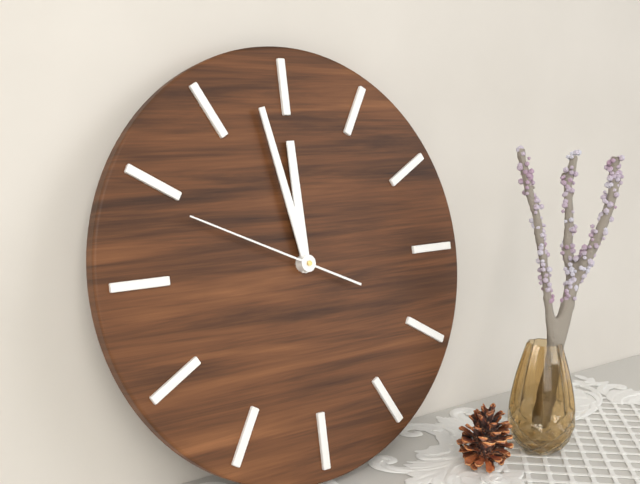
11:58:49
